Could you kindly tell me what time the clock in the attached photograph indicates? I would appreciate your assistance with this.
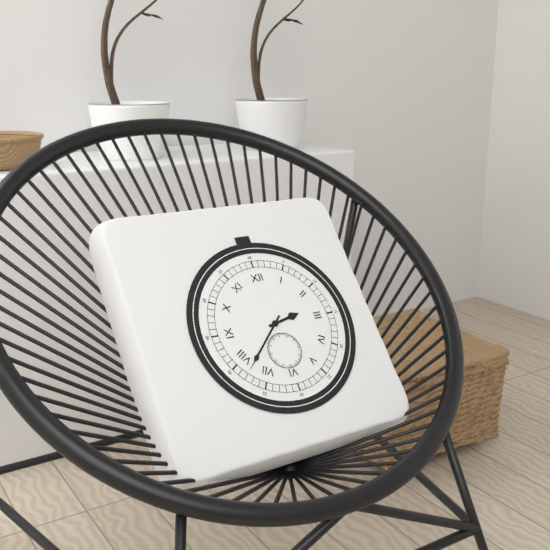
2:38
